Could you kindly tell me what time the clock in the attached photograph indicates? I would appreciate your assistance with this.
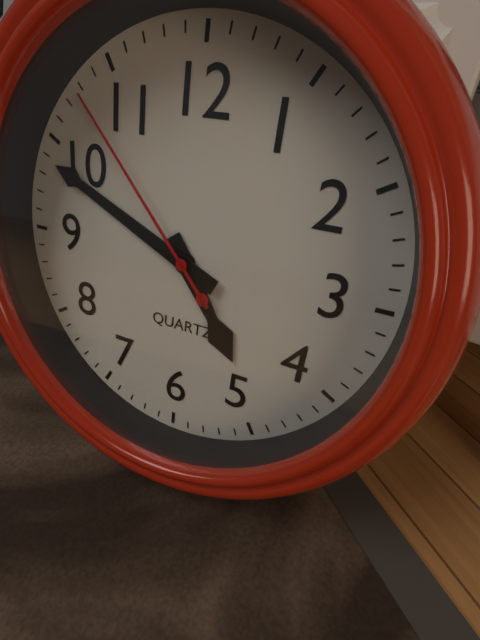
4:49:53
